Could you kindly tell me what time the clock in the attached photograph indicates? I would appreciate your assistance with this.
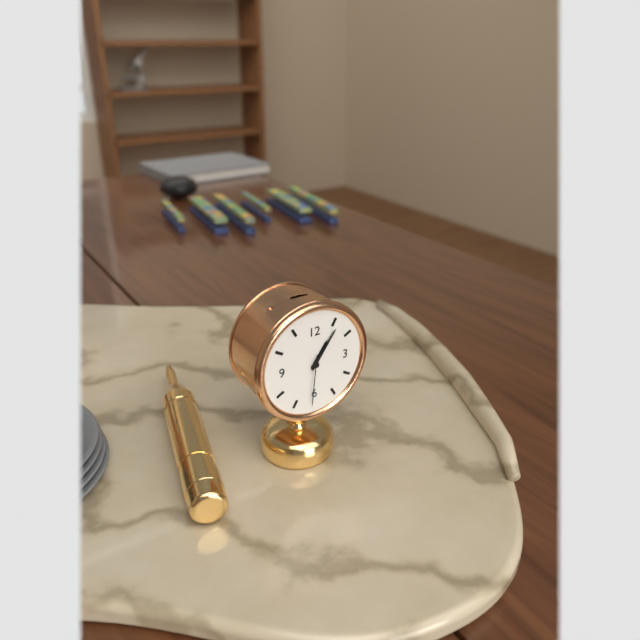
1:06:31
